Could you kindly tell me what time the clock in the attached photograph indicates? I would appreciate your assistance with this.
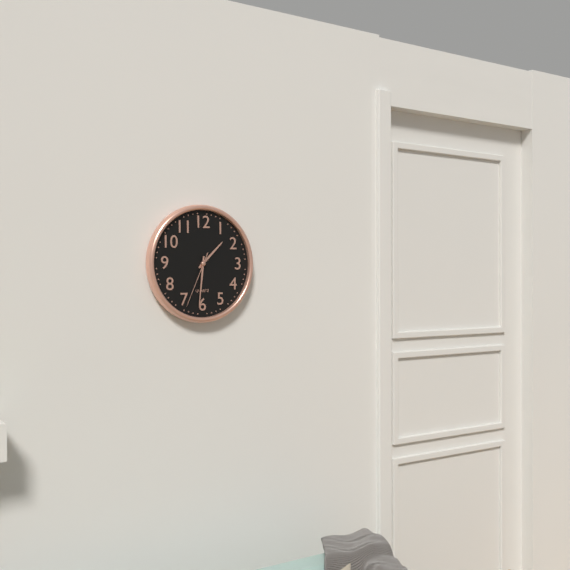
1:31:34
